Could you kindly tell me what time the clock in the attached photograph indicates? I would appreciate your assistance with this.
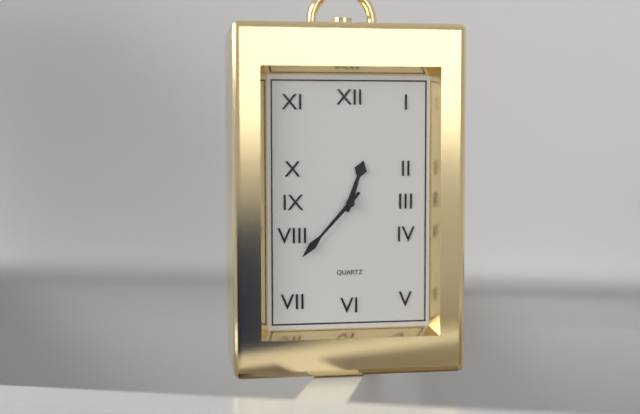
12:37
